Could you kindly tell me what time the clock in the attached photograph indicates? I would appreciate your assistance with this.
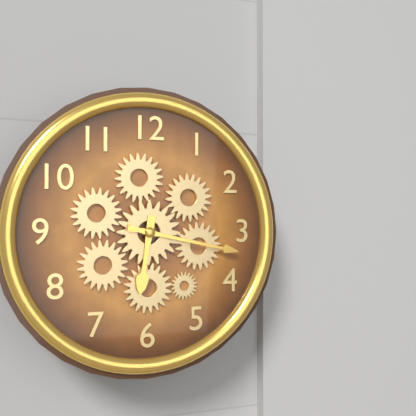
6:17
